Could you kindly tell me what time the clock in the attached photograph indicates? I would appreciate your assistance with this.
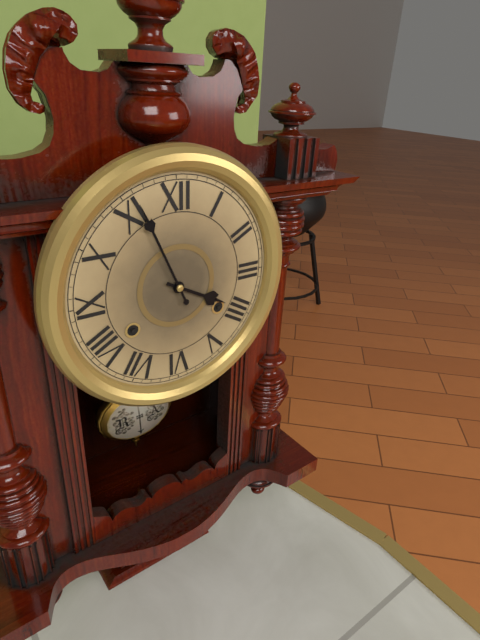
3:56
